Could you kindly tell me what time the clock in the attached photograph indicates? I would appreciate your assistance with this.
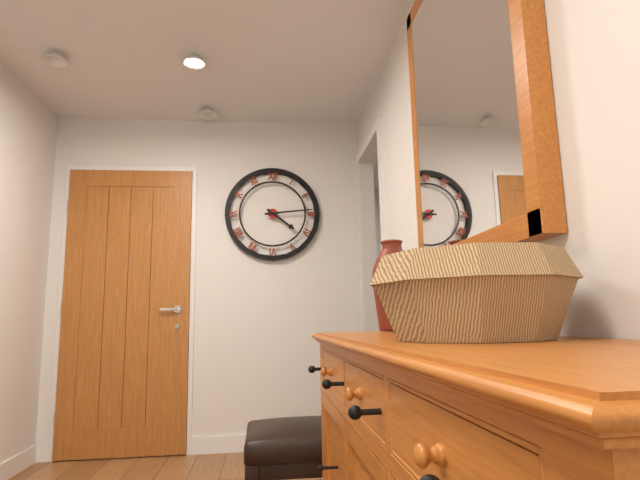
4:14
